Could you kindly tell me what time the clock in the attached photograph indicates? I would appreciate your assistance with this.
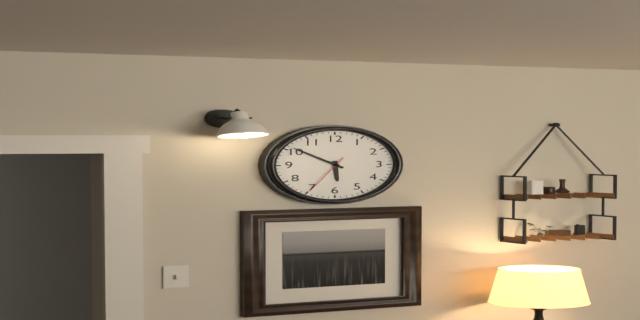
5:51
